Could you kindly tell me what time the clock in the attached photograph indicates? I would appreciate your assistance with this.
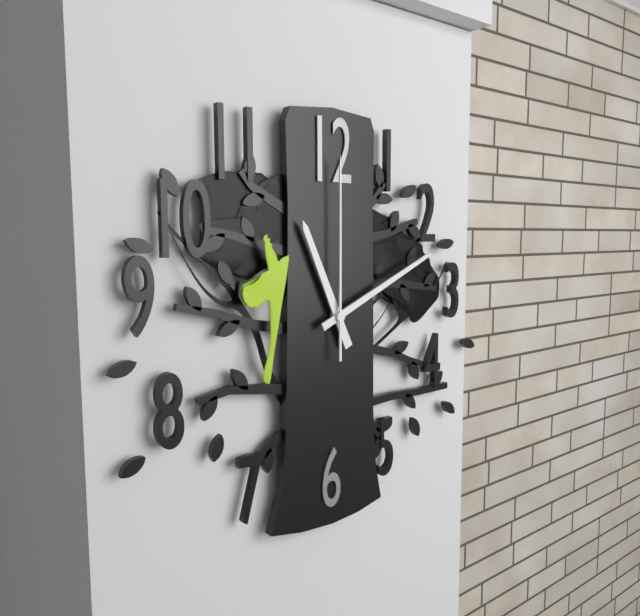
11:11:00
